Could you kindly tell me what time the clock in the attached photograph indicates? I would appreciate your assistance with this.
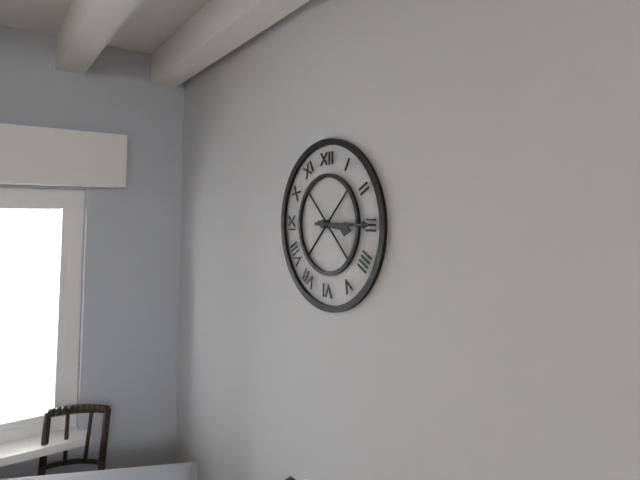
3:15
